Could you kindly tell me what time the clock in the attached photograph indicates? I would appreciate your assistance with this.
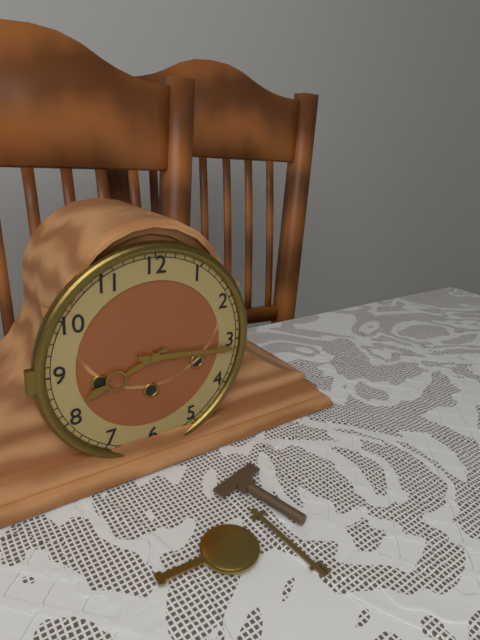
8:16
